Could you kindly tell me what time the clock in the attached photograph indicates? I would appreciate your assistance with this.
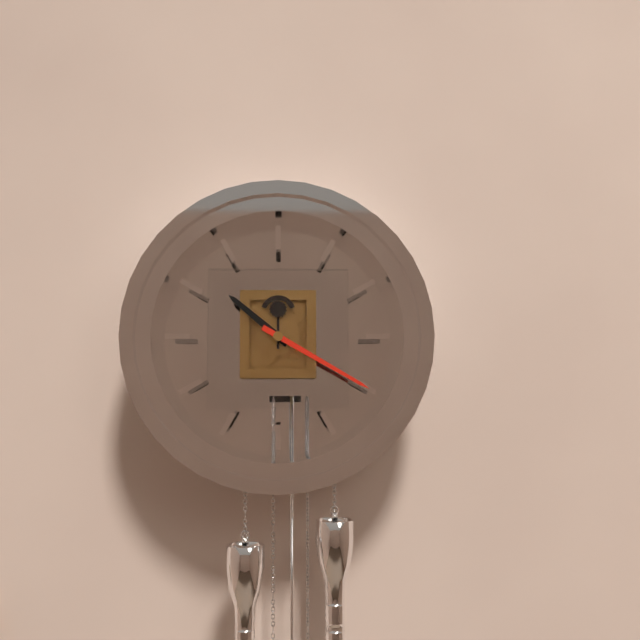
10:20
